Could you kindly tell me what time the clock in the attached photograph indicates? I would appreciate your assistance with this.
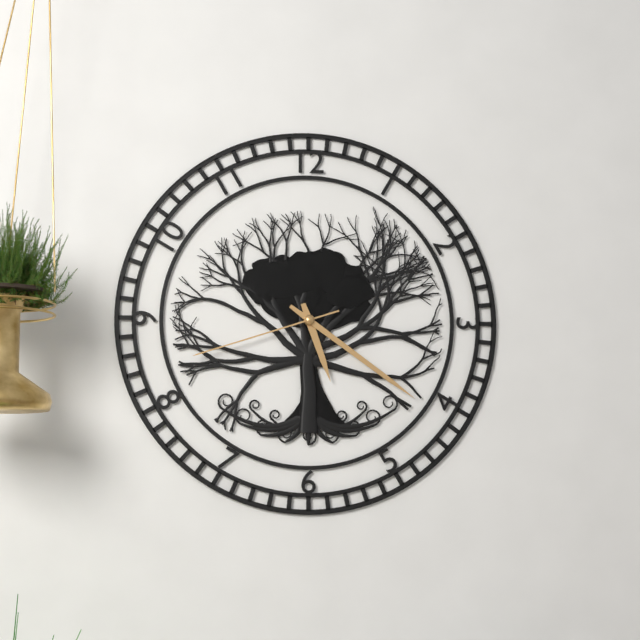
5:21:42
